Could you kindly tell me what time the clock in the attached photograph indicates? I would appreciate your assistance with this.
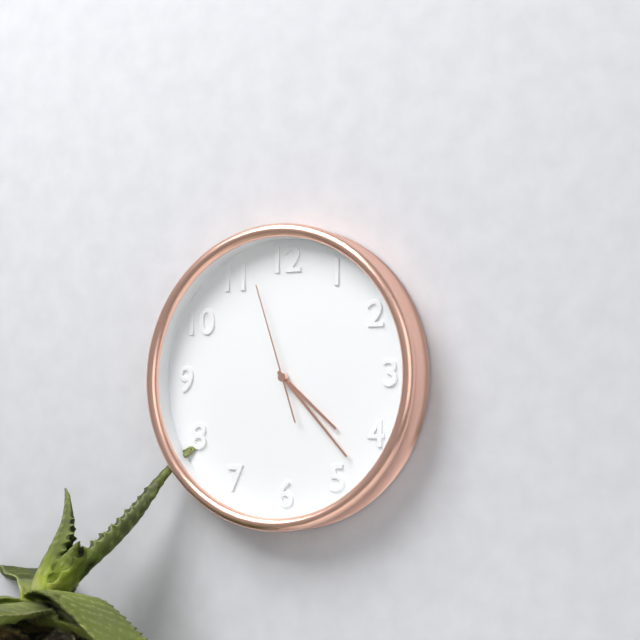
4:23:57
